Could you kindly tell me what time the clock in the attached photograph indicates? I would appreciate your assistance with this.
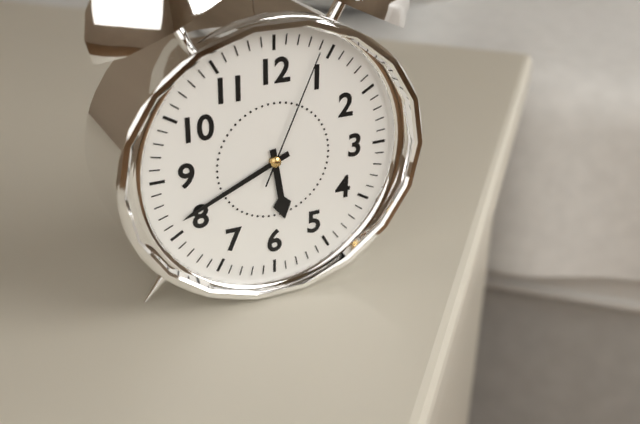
5:41:04
